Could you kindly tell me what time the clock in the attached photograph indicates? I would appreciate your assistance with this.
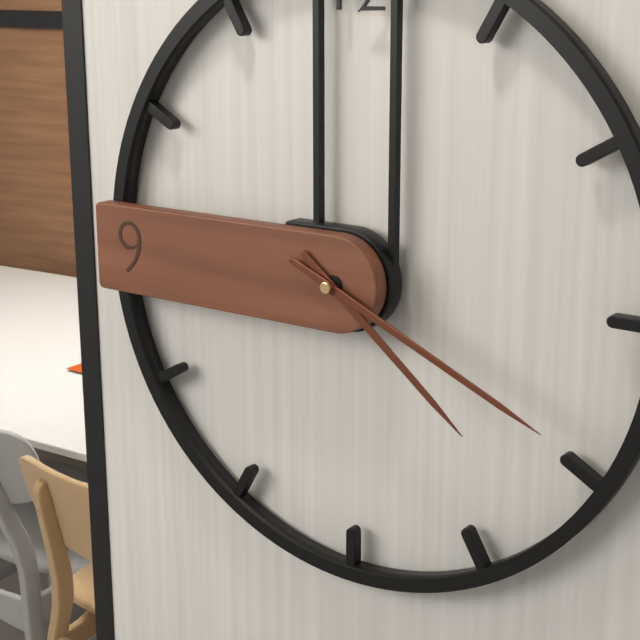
4:19
